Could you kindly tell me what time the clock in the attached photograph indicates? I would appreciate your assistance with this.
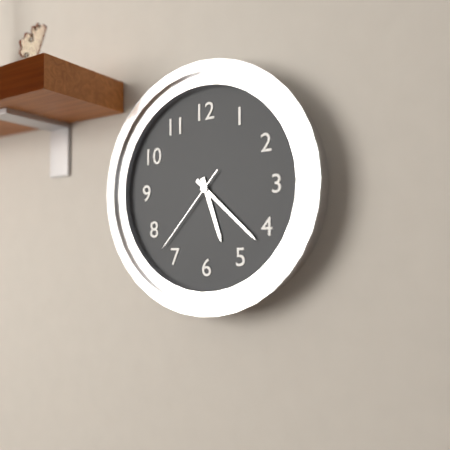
5:22:37
